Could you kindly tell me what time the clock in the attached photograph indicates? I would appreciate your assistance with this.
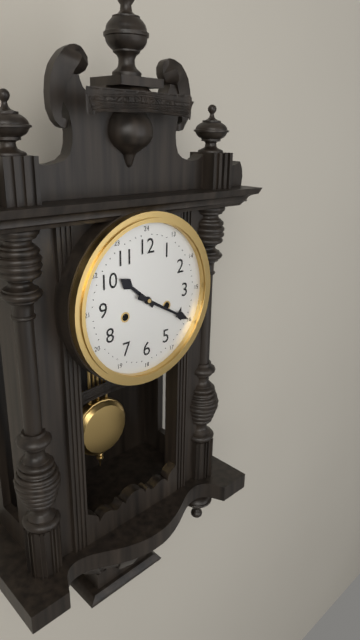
10:20
